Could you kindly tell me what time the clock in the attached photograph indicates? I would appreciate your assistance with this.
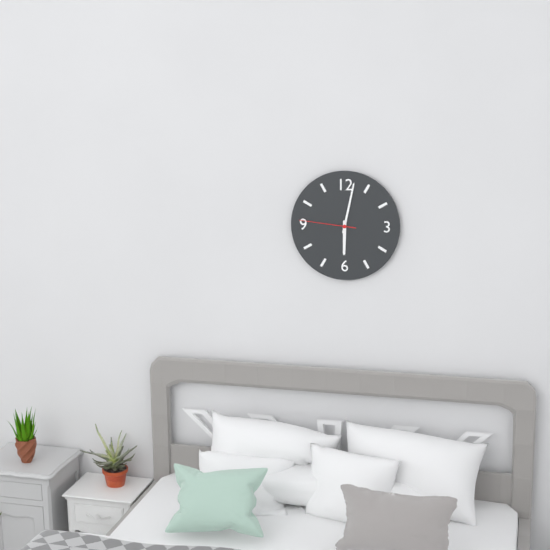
6:02:46
